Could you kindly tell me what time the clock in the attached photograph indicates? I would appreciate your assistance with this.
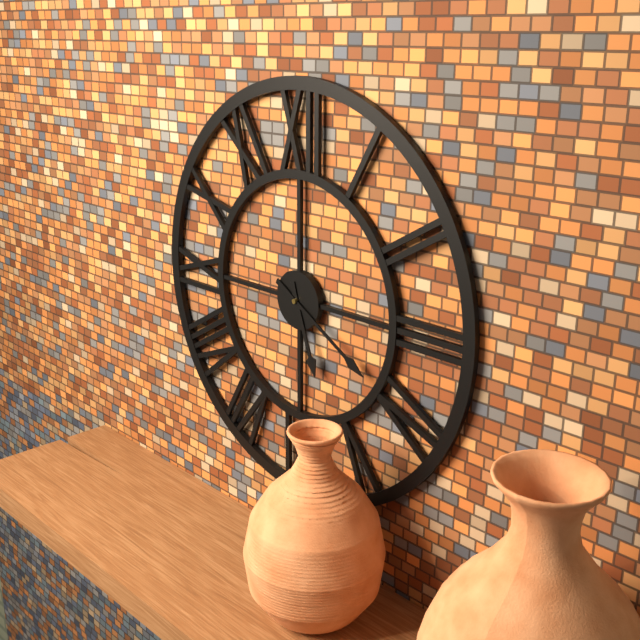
5:20
